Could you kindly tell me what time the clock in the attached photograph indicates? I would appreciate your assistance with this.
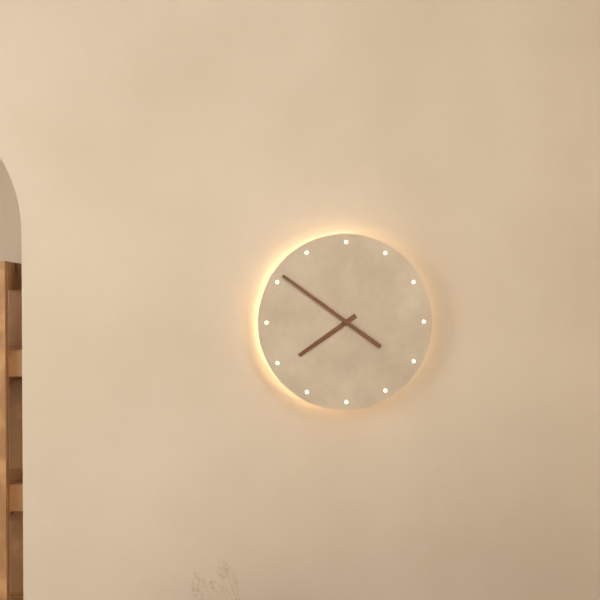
7:51
